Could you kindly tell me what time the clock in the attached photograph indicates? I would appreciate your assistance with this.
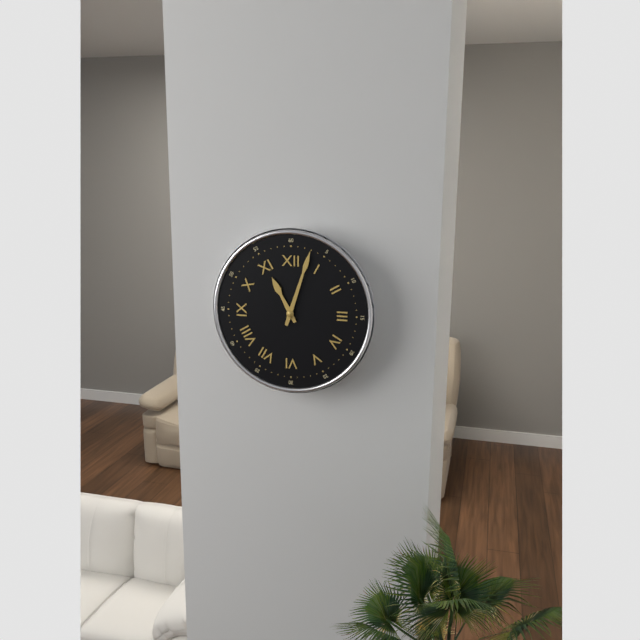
11:03
